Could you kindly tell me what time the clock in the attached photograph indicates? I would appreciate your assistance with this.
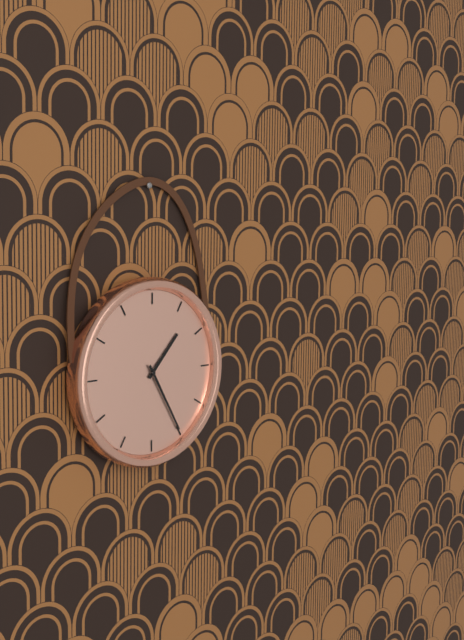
1:25
